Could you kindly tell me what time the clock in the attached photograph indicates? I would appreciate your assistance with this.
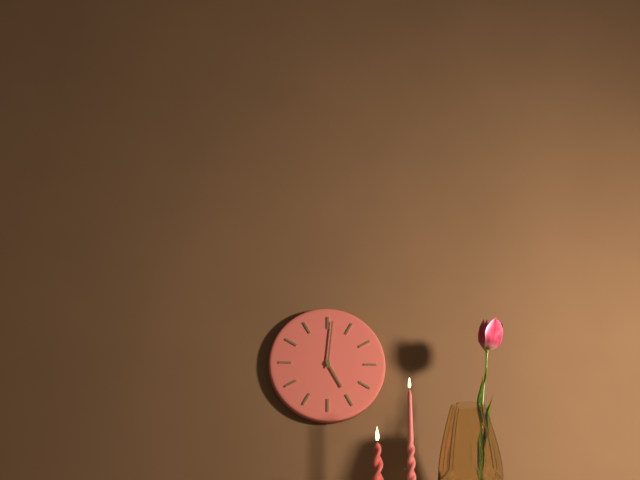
5:01
